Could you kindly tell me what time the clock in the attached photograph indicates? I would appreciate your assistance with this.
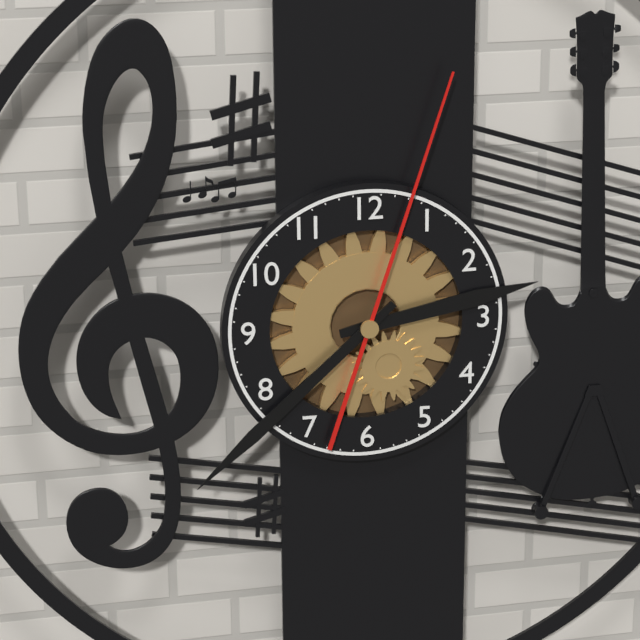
2:38:03
